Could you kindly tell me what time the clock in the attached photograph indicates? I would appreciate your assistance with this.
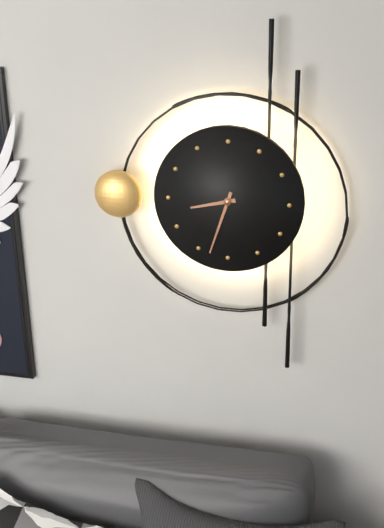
8:33
